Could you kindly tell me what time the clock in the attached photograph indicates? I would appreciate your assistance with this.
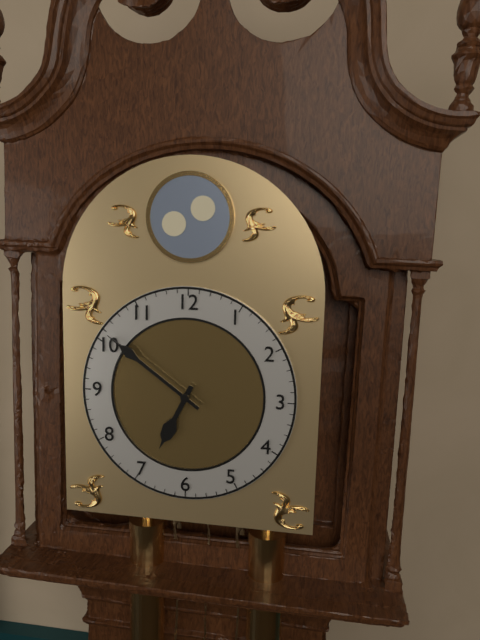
6:51
